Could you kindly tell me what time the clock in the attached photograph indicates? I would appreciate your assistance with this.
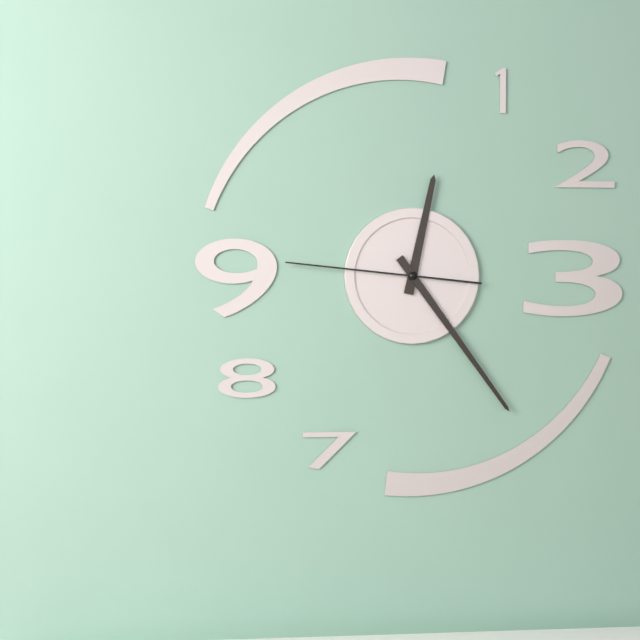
12:24:46
